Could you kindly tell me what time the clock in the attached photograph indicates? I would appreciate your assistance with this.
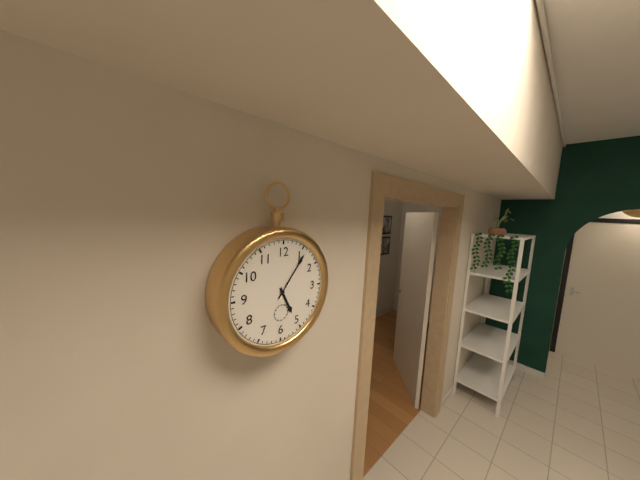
5:06
